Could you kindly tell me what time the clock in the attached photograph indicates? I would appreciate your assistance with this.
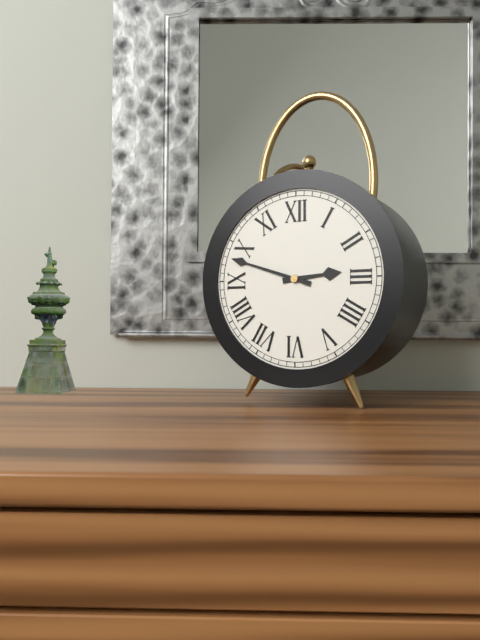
2:48
